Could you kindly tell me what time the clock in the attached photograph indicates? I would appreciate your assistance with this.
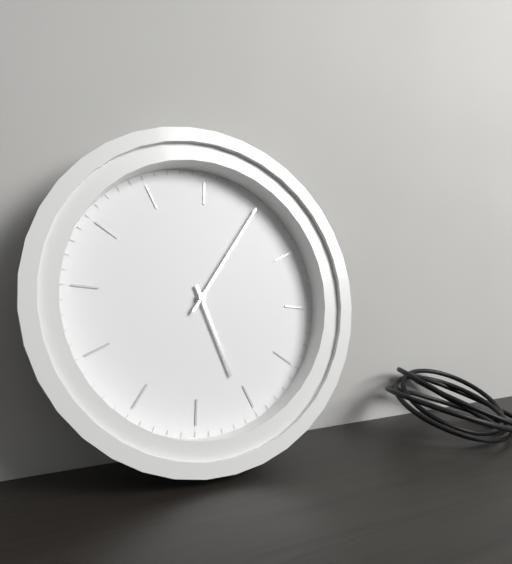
6:10
